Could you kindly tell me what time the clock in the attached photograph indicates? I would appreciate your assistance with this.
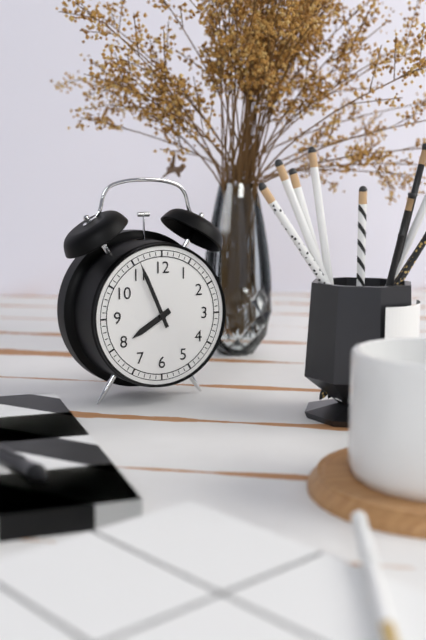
7:56
